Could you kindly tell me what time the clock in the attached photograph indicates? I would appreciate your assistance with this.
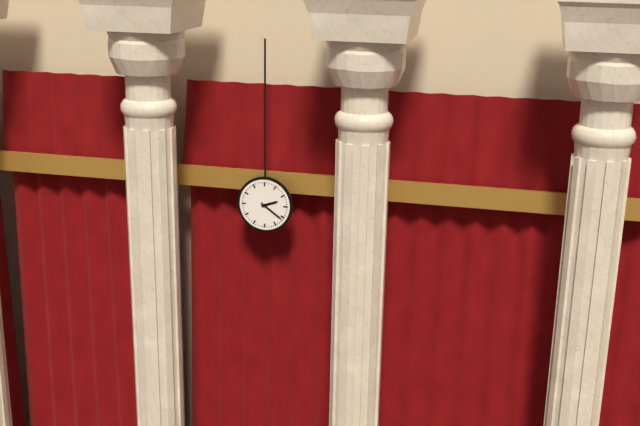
2:21
